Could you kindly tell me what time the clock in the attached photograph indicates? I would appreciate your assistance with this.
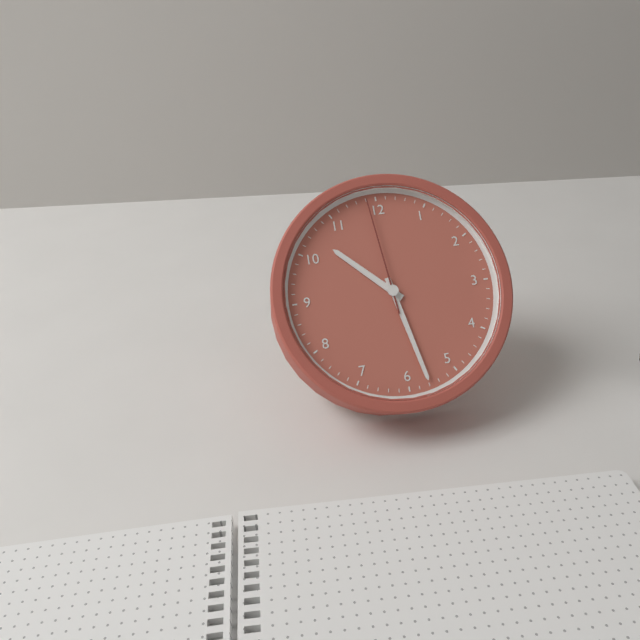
10:28:59
